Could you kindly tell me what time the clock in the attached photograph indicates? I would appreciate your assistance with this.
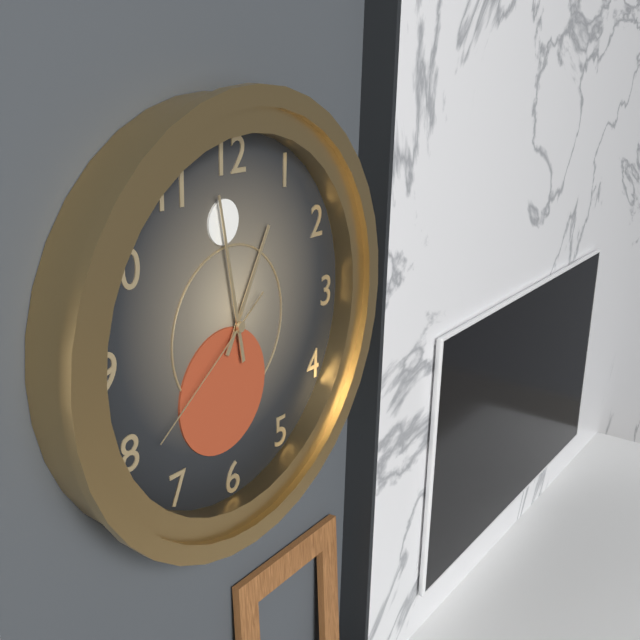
12:58:39
